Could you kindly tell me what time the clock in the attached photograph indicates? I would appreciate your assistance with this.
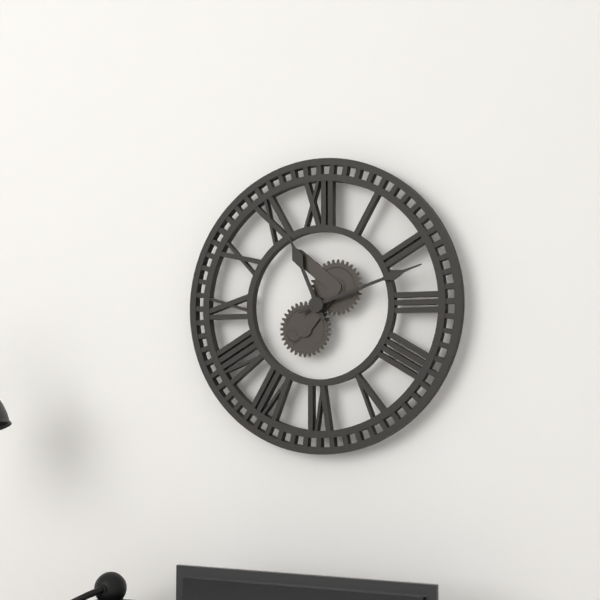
11:12
